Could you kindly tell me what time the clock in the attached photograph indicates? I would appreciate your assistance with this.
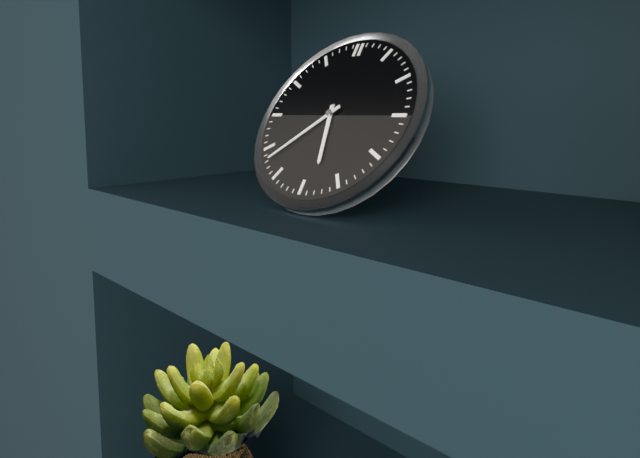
5:38
